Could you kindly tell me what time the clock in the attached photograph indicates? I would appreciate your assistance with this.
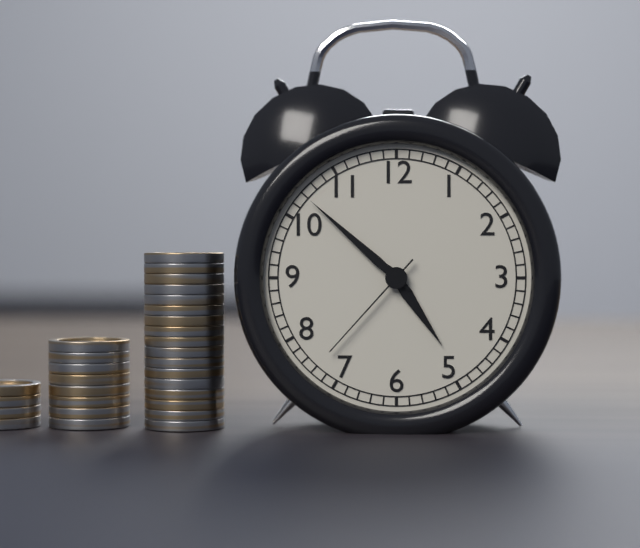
4:52:37
